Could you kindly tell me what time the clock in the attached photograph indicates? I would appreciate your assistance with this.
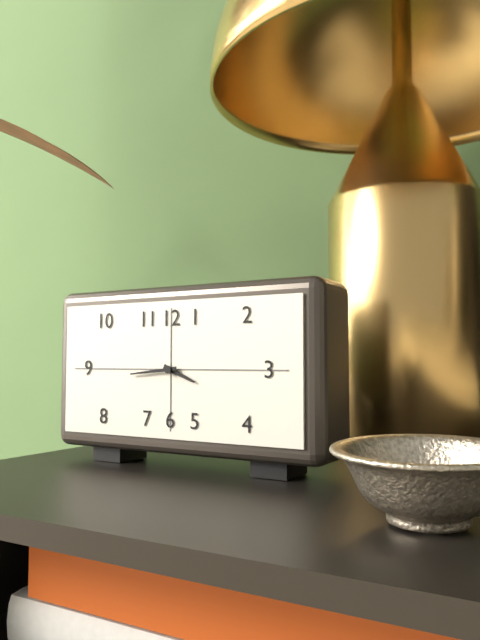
3:44
